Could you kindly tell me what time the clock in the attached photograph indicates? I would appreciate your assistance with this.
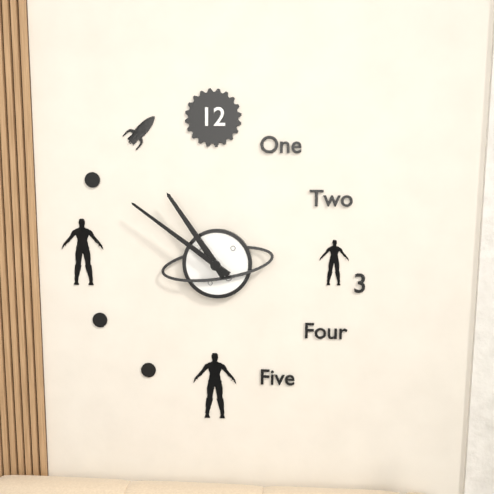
10:51
